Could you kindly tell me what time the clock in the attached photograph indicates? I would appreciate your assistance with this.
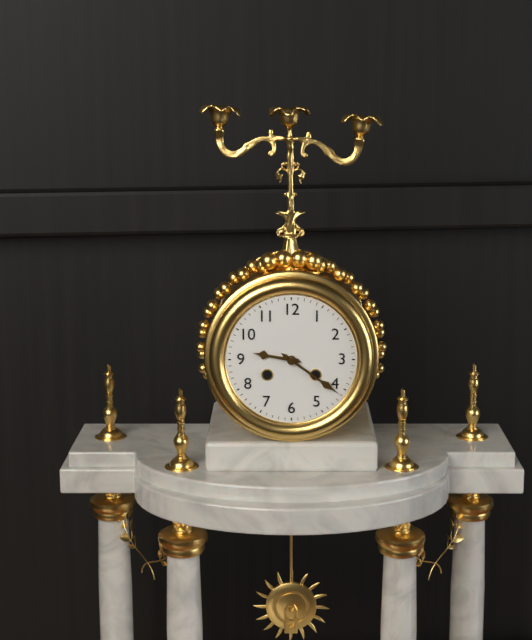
9:21
